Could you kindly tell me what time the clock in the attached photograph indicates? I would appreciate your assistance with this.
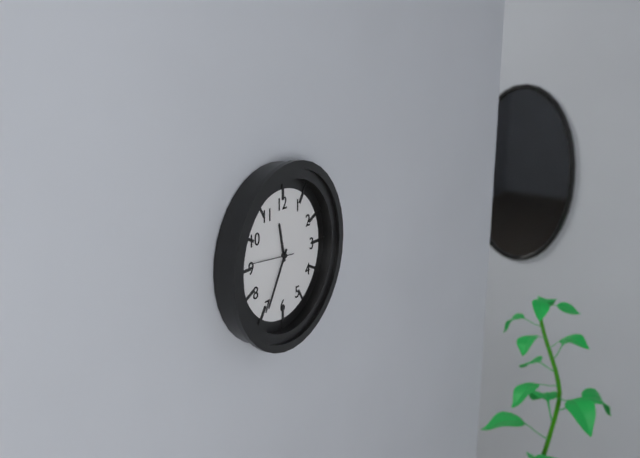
11:35
